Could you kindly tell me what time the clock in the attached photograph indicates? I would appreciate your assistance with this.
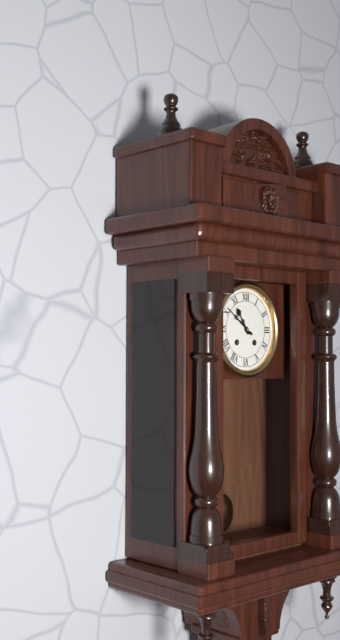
10:51
